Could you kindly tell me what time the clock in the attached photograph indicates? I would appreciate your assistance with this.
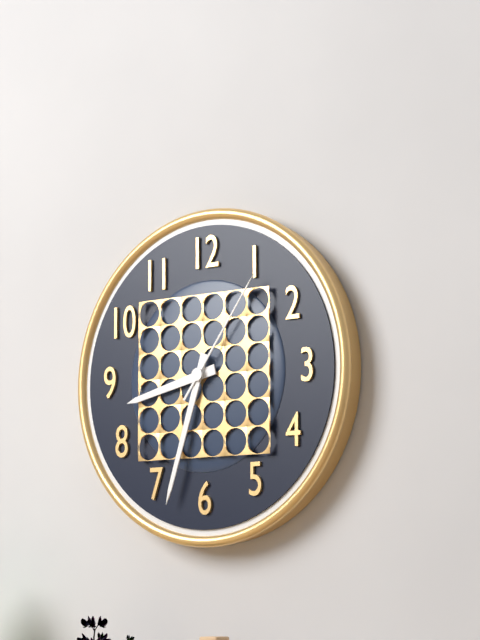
8:33:06
